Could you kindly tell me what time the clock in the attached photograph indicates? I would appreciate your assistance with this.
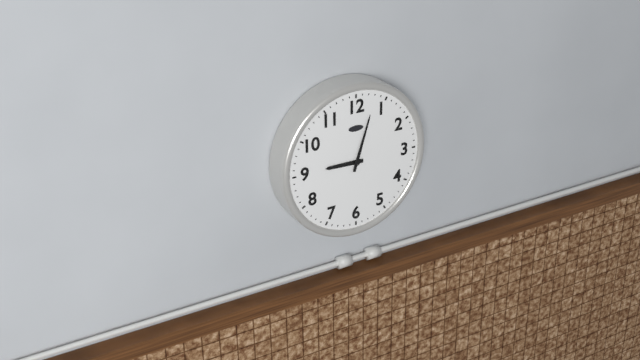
9:03
